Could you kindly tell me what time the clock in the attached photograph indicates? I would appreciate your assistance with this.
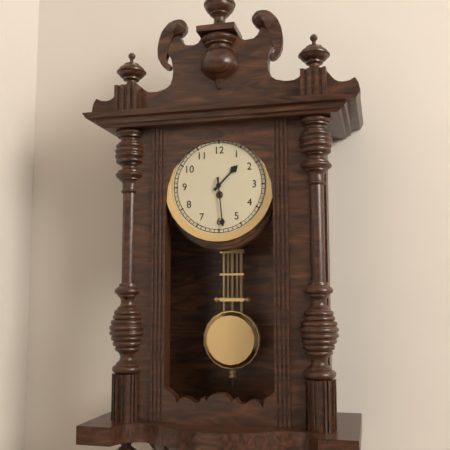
1:29
